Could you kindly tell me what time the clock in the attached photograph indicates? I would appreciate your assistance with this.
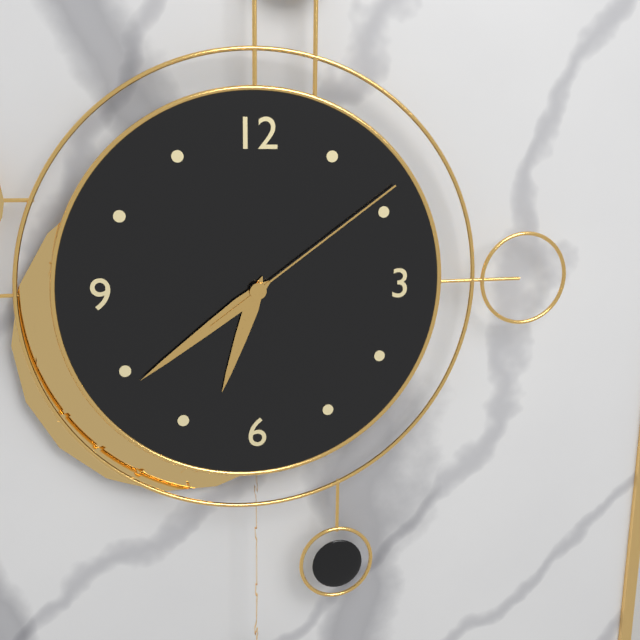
6:39:09
